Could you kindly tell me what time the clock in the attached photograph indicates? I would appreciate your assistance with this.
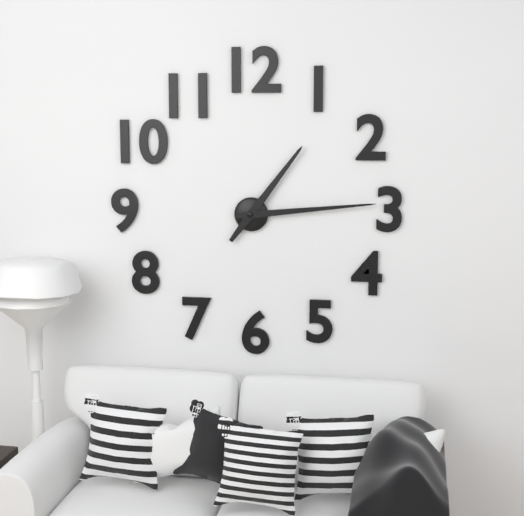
1:14
